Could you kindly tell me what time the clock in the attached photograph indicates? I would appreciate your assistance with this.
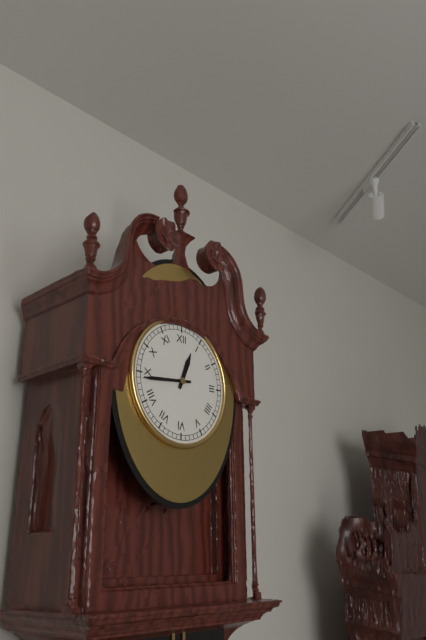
12:44
